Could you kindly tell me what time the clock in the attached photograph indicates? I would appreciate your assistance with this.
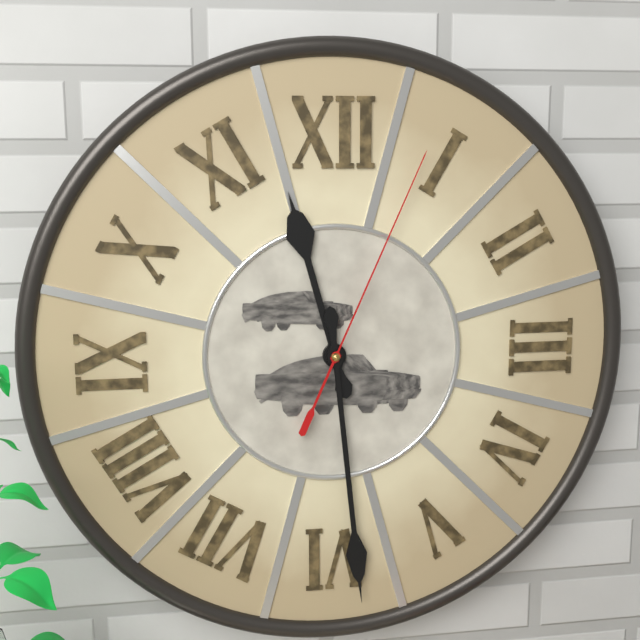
11:29:04
